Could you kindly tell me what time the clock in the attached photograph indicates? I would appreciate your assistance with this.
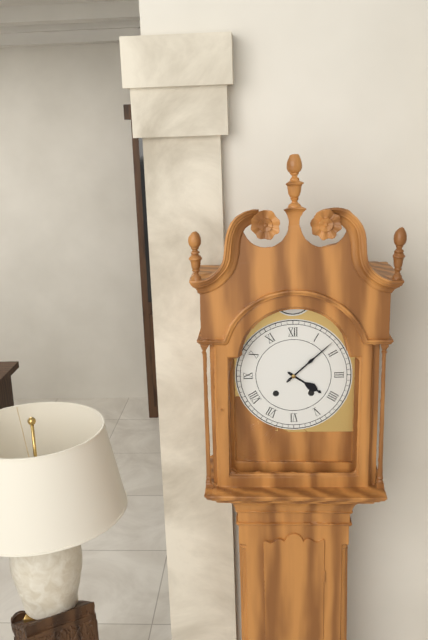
4:08
